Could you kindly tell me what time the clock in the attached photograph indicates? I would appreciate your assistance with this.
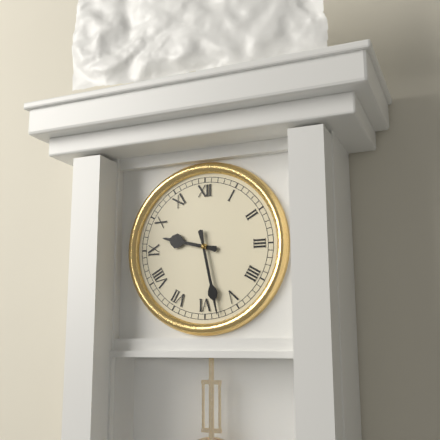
9:28
